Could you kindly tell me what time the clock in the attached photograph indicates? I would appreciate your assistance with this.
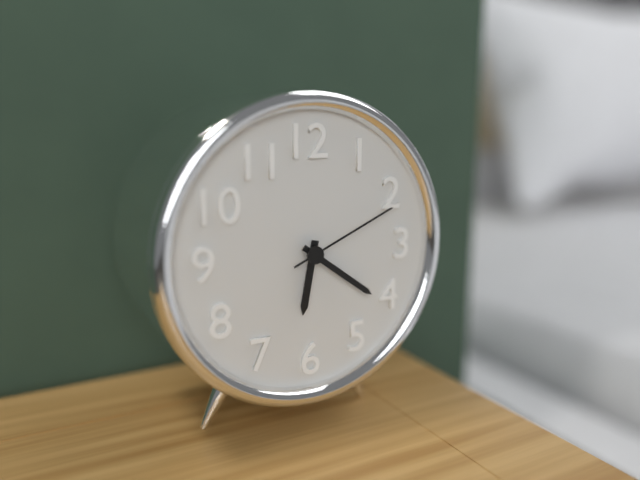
6:21:11
